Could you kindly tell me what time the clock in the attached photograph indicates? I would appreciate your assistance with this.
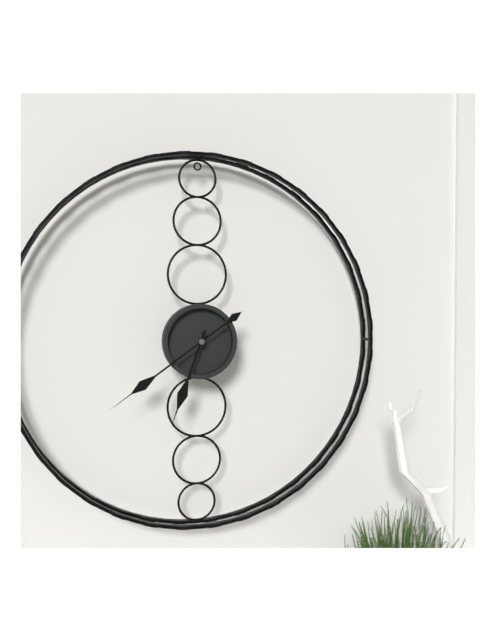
6:39
